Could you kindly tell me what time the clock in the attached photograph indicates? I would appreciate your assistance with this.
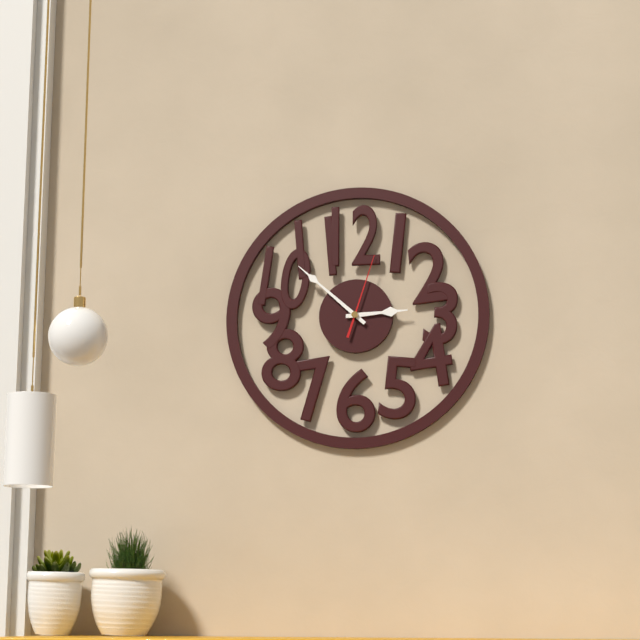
2:52:03
